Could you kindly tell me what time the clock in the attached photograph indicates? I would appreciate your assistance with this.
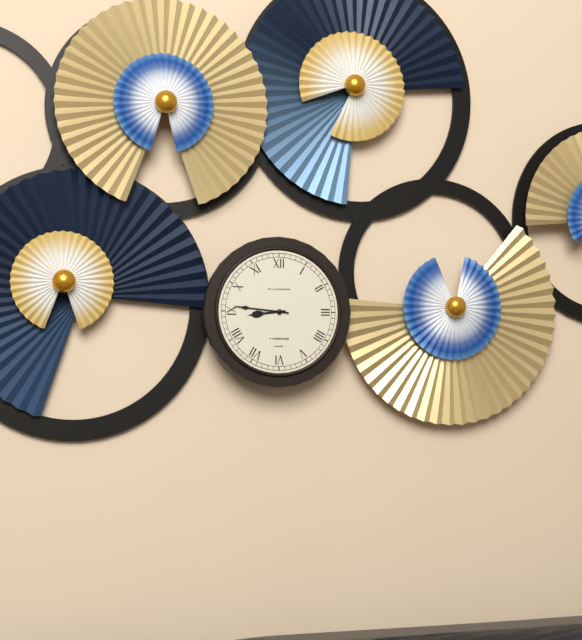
8:46
